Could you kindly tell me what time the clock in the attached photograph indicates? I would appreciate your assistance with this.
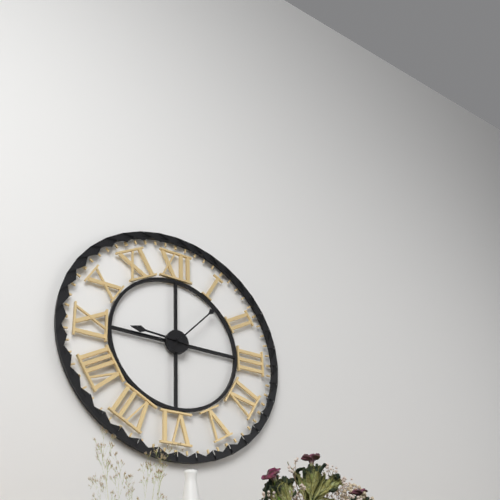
9:07
